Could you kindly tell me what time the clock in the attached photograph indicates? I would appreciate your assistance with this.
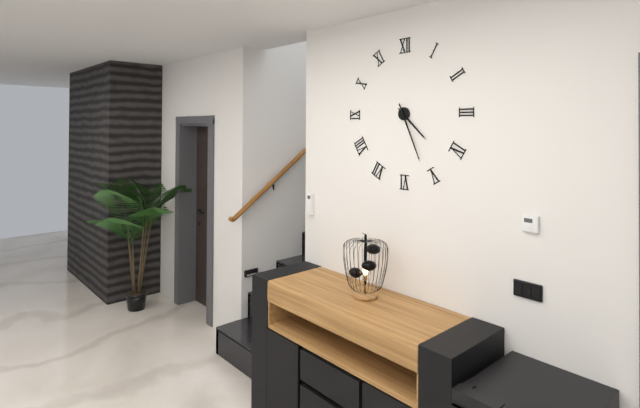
4:26
